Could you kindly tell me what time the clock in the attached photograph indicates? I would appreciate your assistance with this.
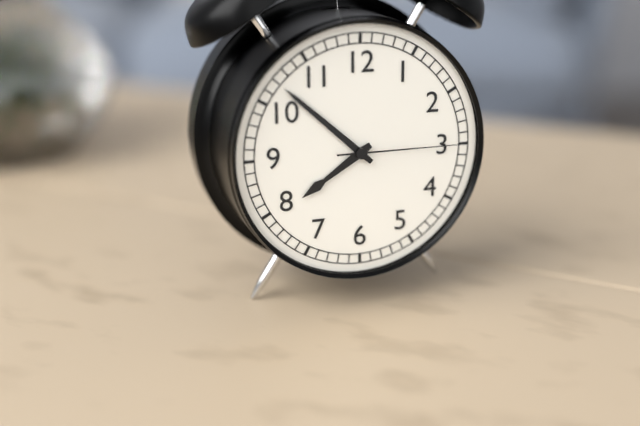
7:52:15
